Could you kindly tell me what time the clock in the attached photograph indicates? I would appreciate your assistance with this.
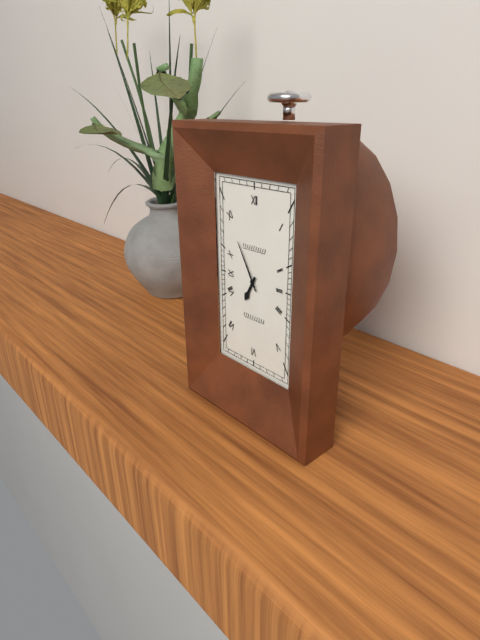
6:55
